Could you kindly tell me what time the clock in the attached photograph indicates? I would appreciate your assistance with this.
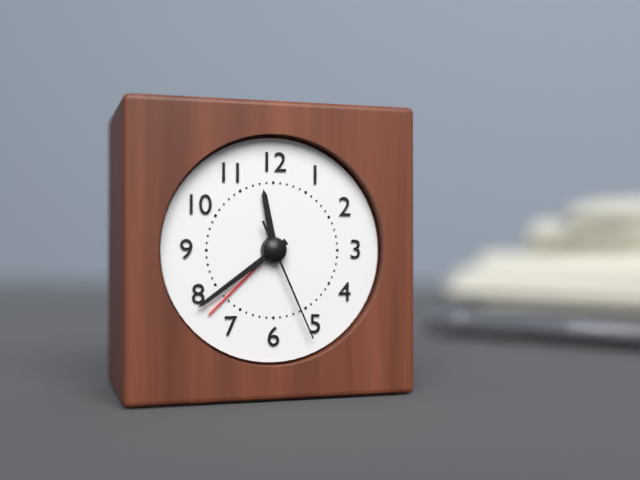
11:39:26
